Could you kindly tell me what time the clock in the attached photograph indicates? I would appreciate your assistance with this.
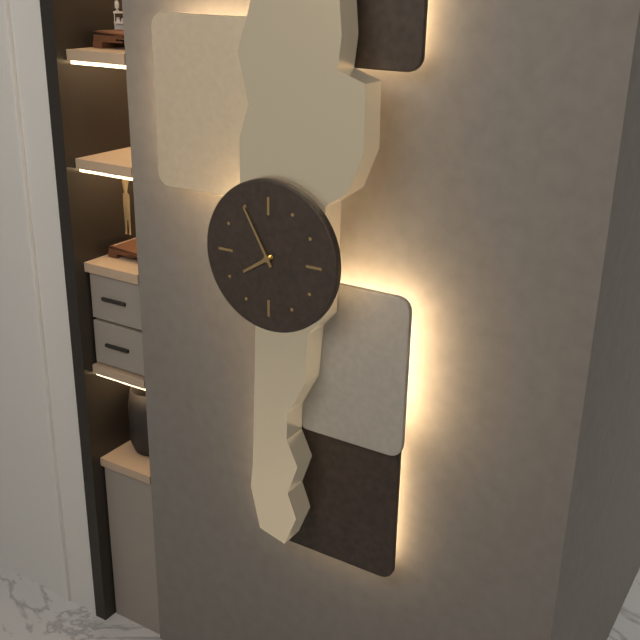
7:55
